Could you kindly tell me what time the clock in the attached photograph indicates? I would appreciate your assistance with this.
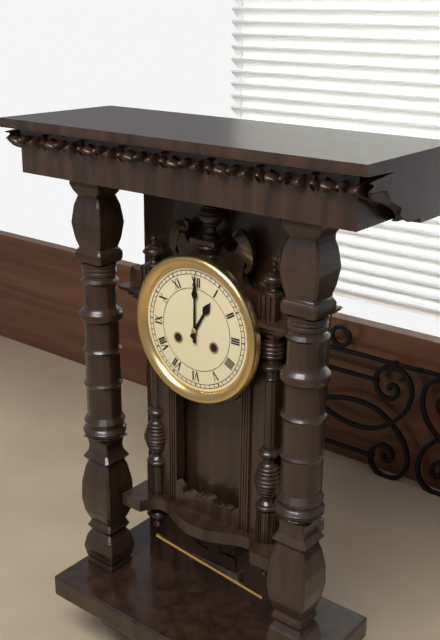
1:00
